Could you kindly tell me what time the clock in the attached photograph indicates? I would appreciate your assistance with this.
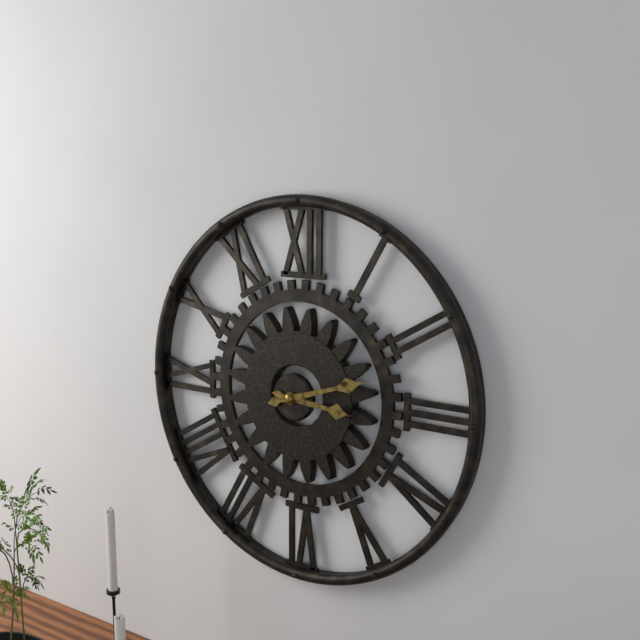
3:12
